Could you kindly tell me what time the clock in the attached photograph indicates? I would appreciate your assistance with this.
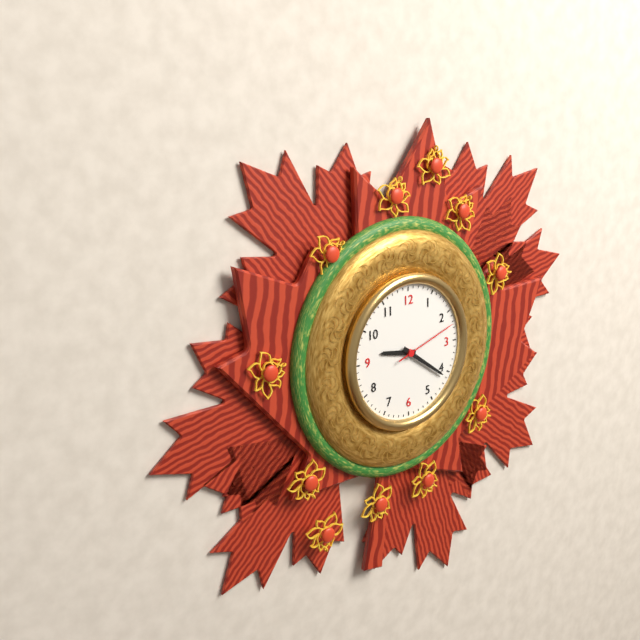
9:21:12
